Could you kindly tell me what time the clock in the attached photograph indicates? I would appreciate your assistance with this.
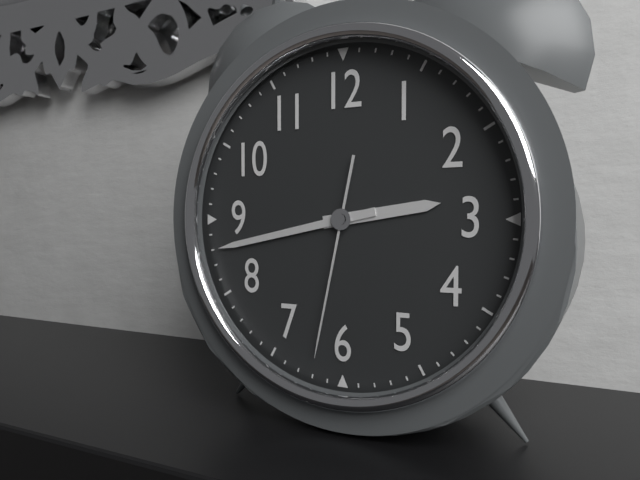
2:43:32
